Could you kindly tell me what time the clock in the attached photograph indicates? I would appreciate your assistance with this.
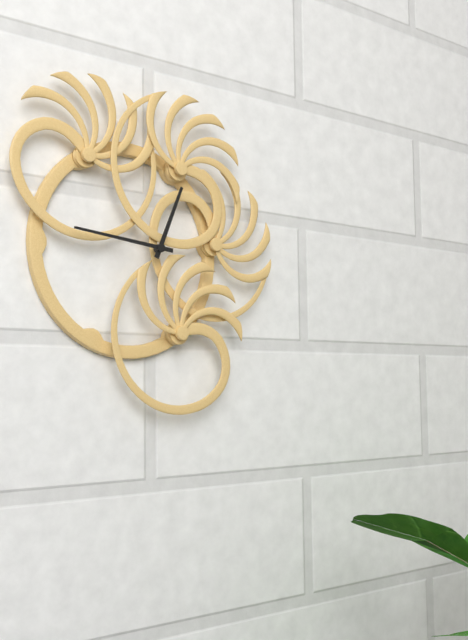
12:46
